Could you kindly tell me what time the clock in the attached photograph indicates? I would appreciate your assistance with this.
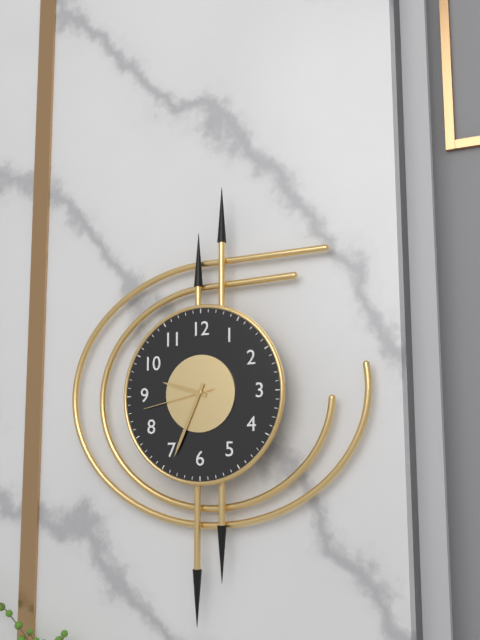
9:34:43
